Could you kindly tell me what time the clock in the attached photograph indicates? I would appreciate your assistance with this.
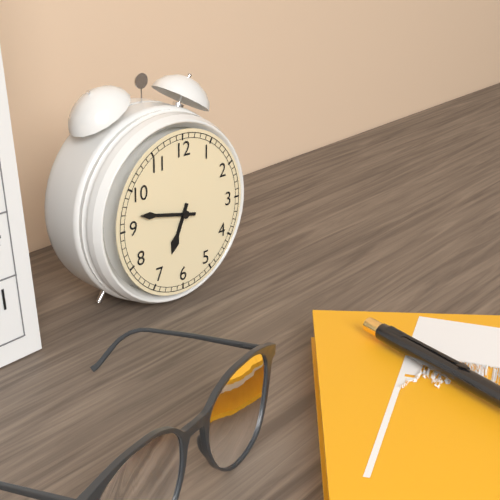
6:47
